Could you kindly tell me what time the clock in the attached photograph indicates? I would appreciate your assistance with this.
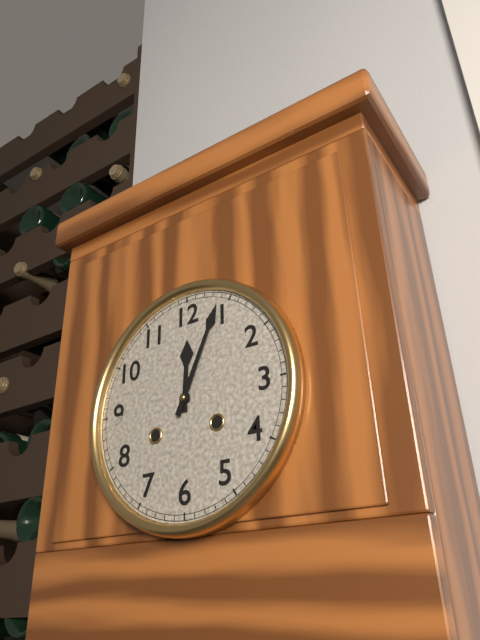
12:04
